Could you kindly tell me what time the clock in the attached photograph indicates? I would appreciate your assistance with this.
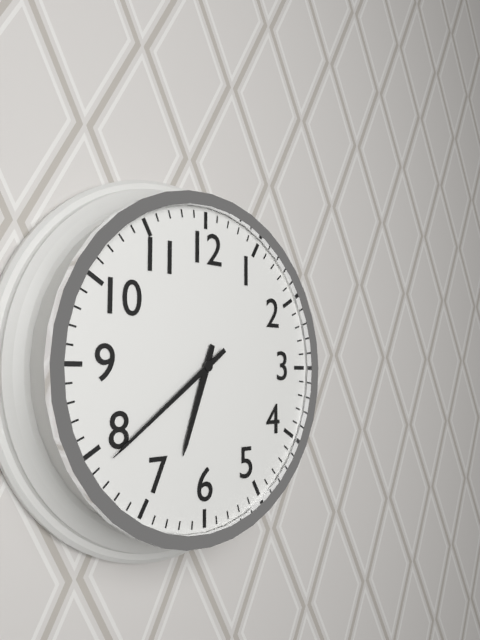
6:39
